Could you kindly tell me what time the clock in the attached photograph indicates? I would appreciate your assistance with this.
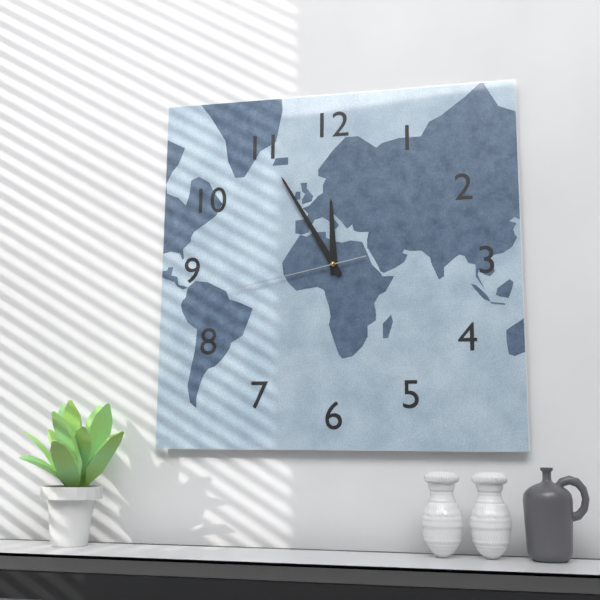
11:55:43
